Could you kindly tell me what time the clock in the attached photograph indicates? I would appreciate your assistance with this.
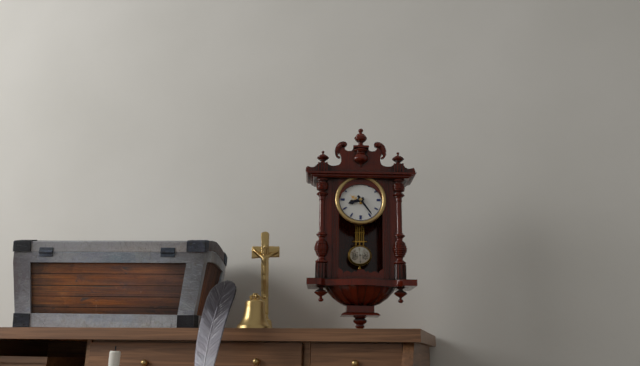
8:24
